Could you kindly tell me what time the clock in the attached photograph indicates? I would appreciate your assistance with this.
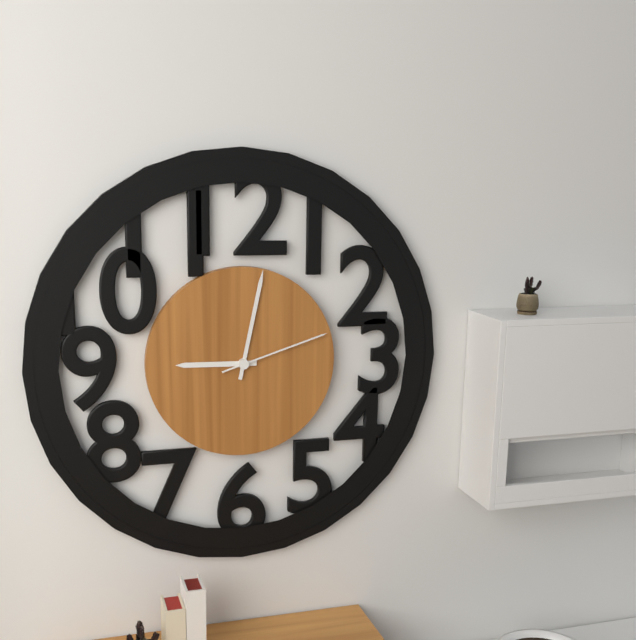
9:02:12
